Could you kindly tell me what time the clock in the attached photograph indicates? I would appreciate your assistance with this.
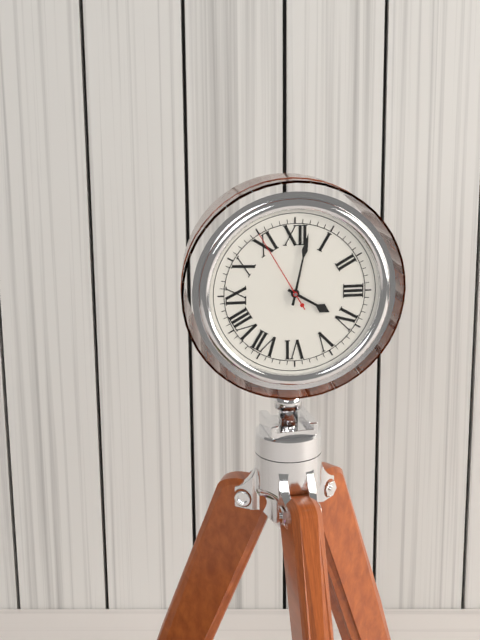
4:02:55
